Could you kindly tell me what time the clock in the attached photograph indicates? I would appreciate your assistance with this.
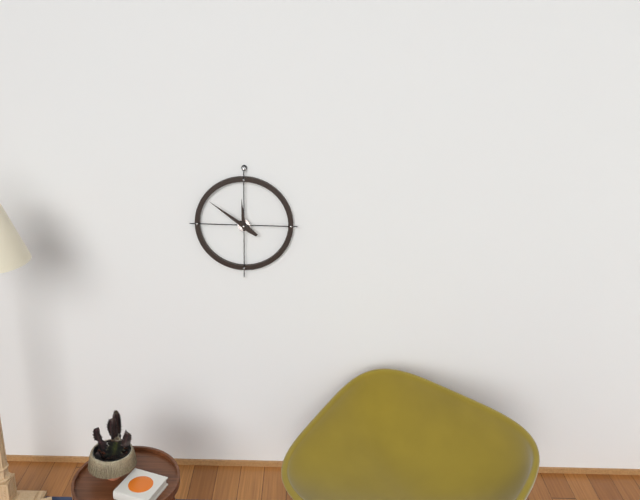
11:51
